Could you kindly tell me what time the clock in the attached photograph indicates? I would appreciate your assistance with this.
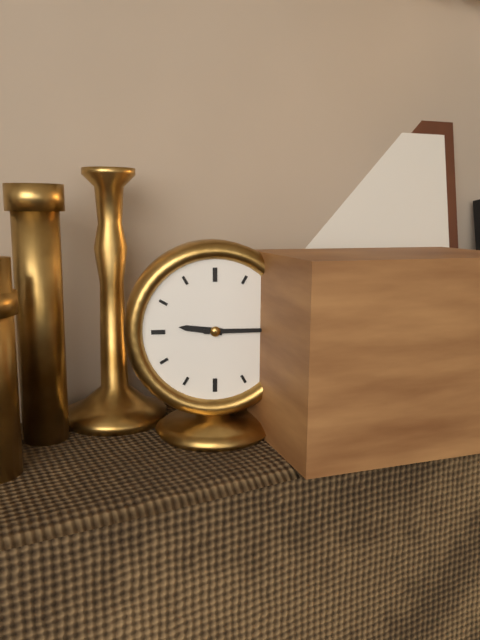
9:15
